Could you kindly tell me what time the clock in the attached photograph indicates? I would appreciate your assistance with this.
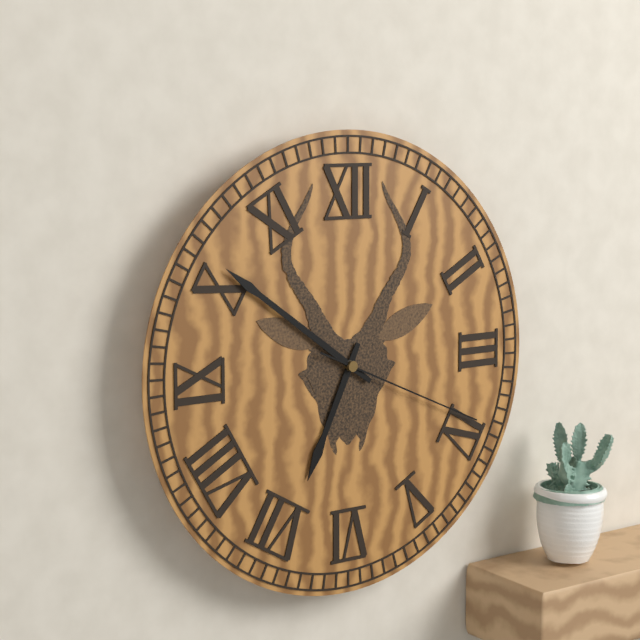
6:51:19
